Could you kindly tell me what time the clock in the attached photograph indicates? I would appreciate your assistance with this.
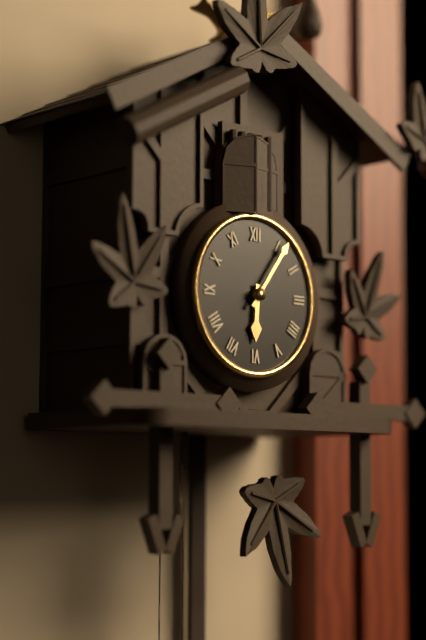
6:06
